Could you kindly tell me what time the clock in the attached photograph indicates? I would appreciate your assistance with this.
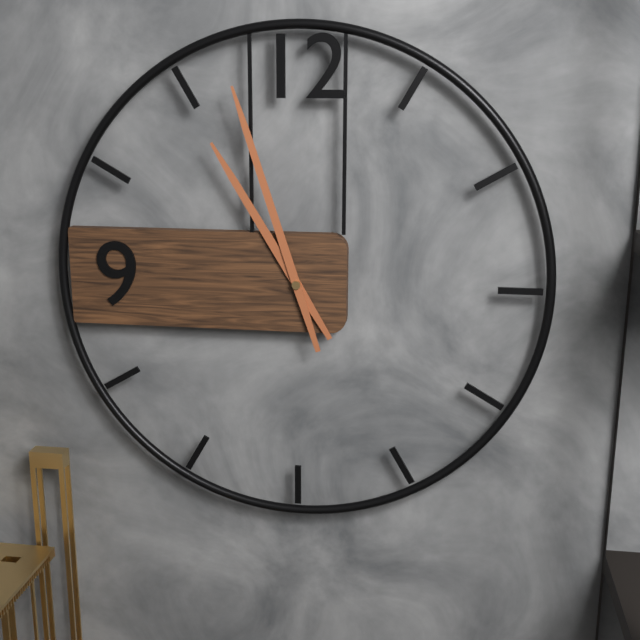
10:57
